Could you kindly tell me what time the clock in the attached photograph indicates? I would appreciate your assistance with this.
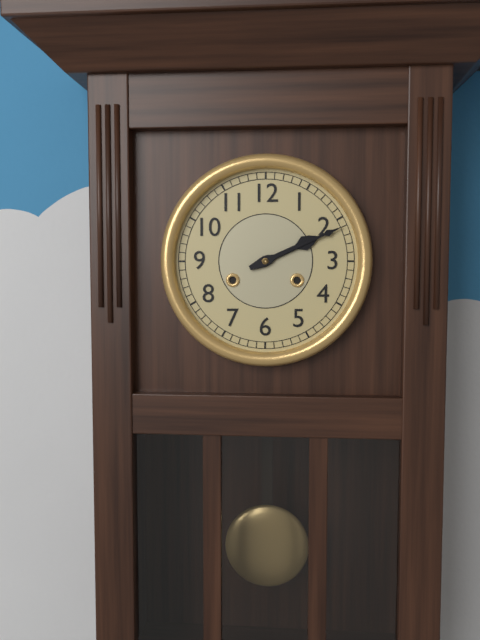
2:11
